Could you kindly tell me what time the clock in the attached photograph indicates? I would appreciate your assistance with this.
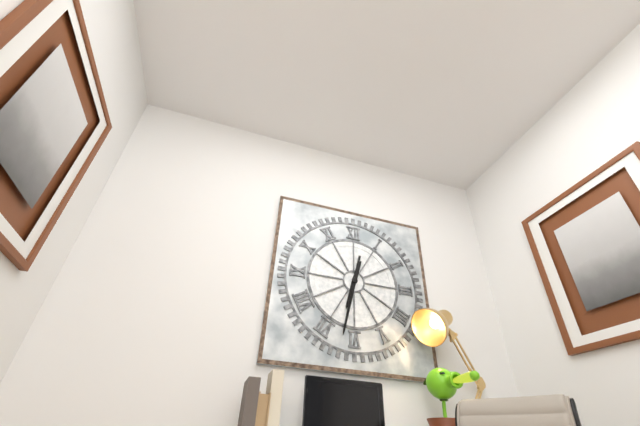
6:32
